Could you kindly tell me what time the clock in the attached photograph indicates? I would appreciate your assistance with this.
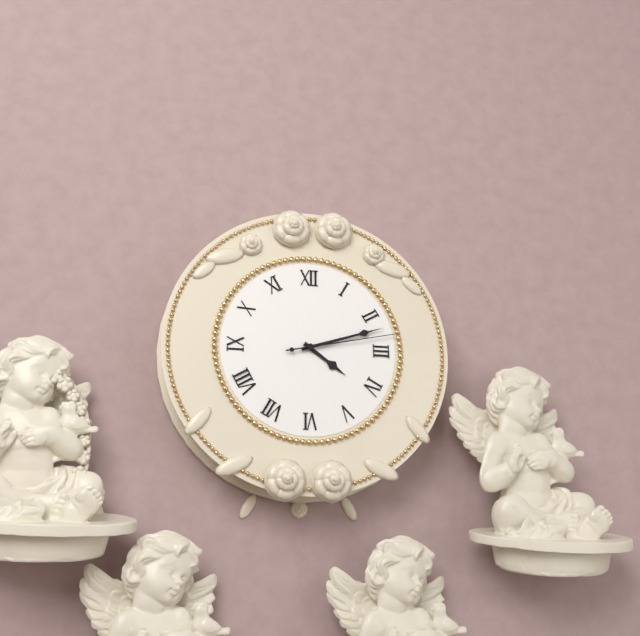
4:12:13
